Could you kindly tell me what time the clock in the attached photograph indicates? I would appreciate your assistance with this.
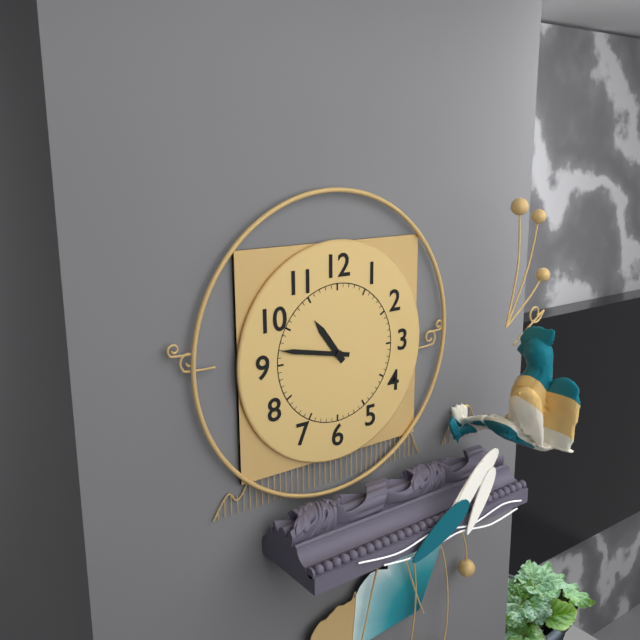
10:47
